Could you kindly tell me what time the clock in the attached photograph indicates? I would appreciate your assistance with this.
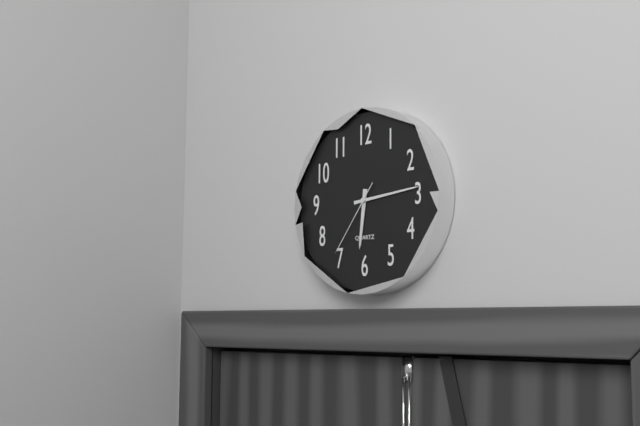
6:14:36
